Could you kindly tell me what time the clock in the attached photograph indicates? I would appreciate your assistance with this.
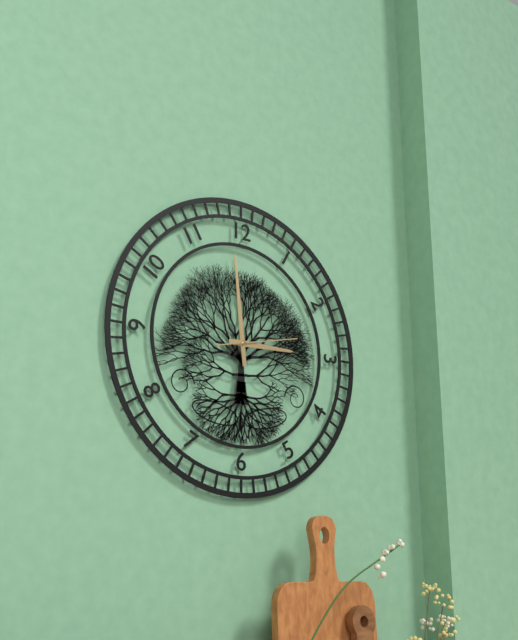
2:59:13
